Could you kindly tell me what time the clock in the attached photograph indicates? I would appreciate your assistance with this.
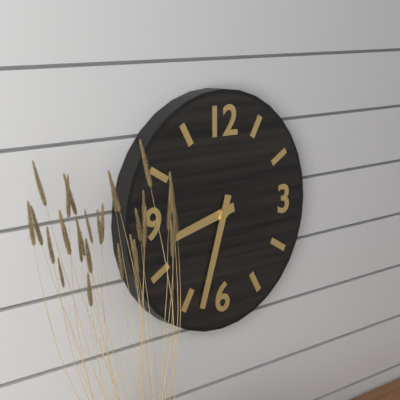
8:33
